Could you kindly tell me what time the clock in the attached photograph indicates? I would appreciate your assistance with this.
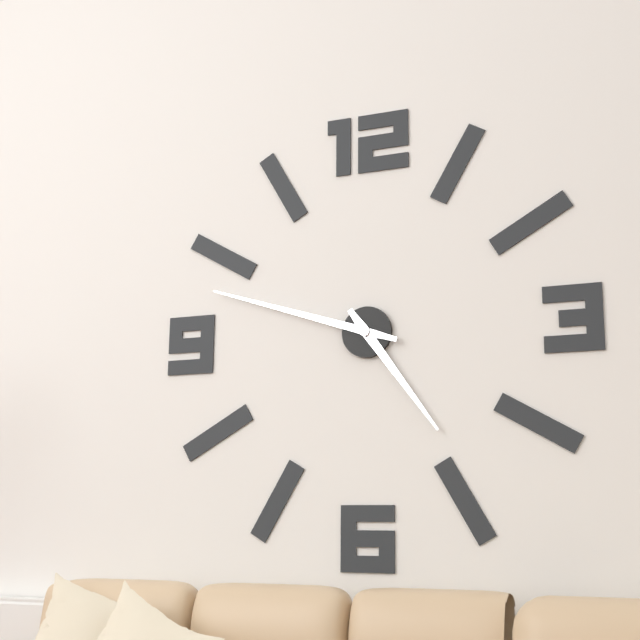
4:48
